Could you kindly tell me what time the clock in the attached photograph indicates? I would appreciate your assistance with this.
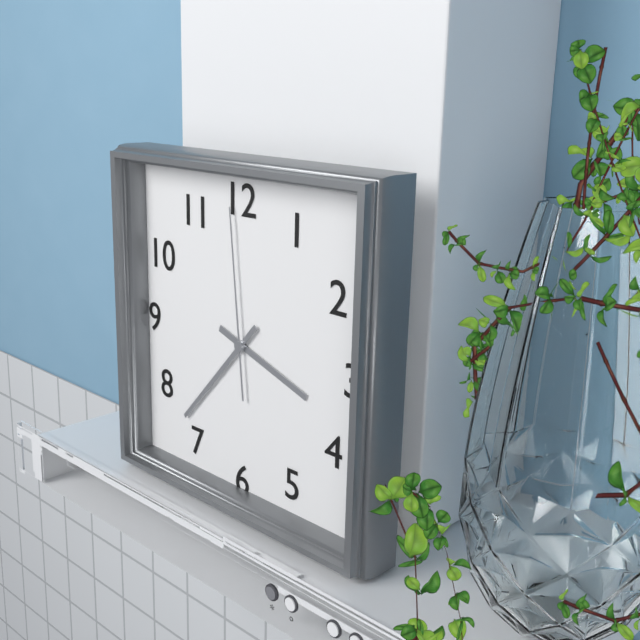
3:37:59
